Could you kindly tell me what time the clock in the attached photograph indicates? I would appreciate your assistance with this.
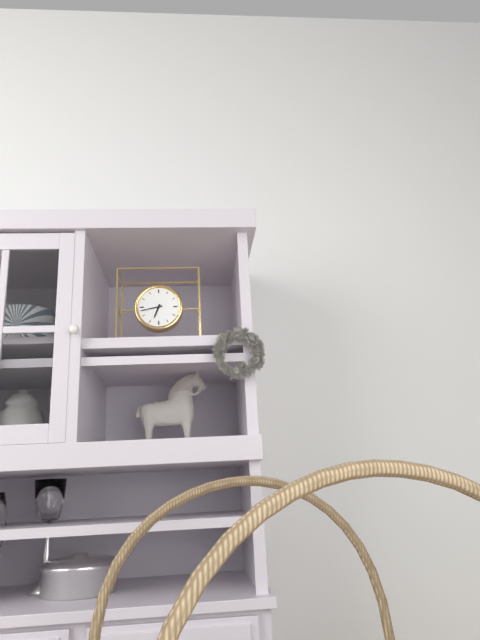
6:43
